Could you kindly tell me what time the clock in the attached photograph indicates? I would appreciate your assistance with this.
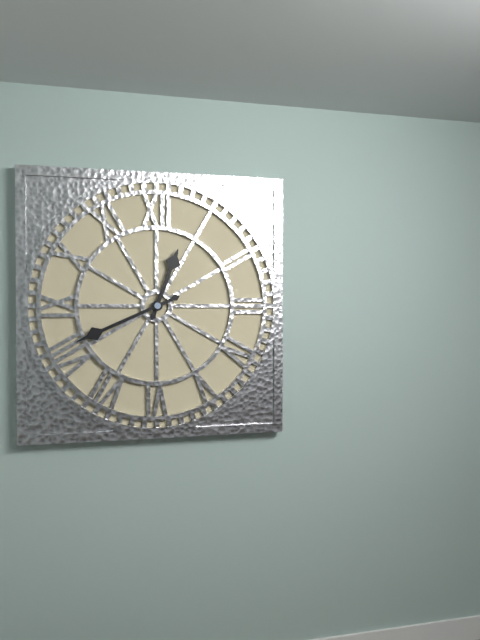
12:41
